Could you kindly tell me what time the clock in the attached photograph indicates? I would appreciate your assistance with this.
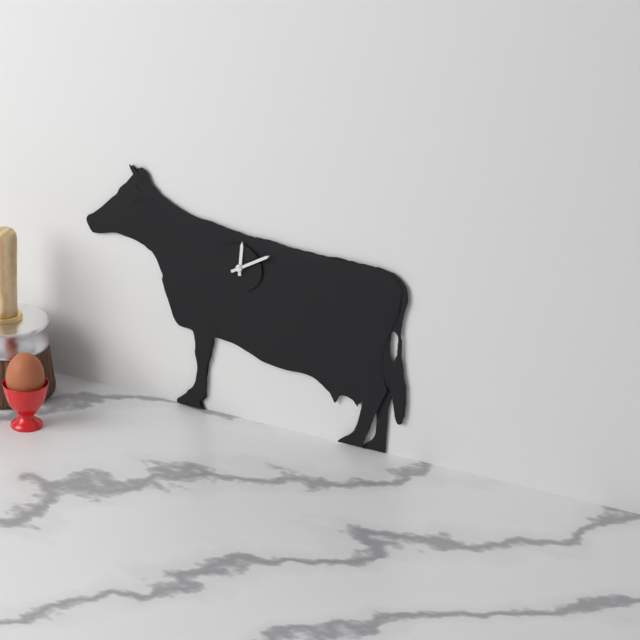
12:10
